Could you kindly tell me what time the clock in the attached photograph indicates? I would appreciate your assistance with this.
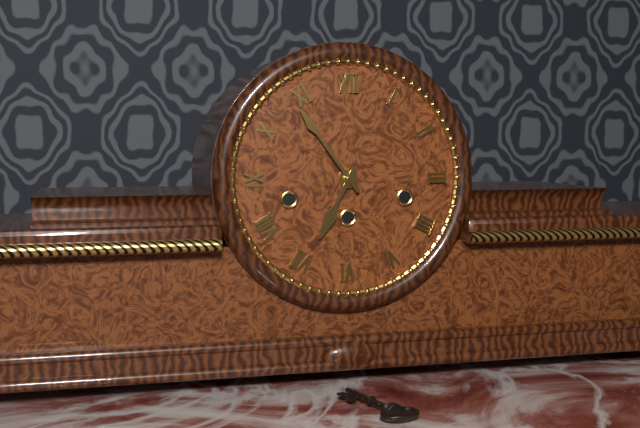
6:54
